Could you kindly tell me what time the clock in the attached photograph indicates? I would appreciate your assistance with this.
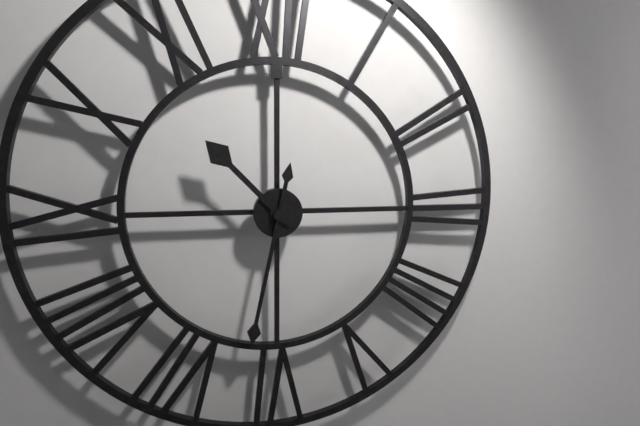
10:32
